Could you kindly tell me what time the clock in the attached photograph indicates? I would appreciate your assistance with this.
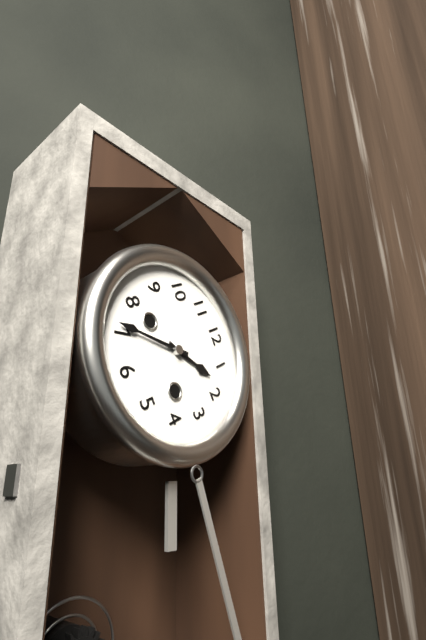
1:36
